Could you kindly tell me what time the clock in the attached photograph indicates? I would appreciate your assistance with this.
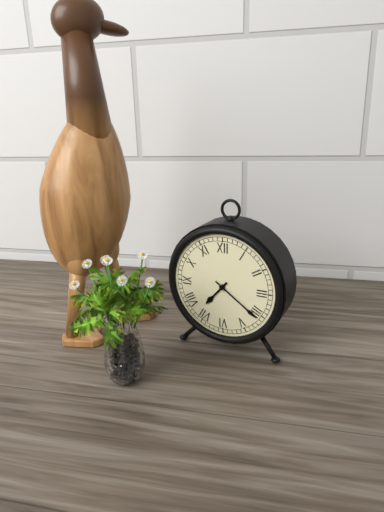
7:21
